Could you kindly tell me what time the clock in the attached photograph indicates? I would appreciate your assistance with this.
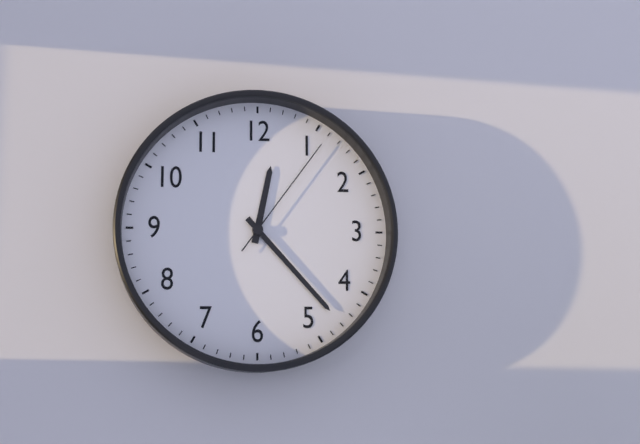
12:23:06
